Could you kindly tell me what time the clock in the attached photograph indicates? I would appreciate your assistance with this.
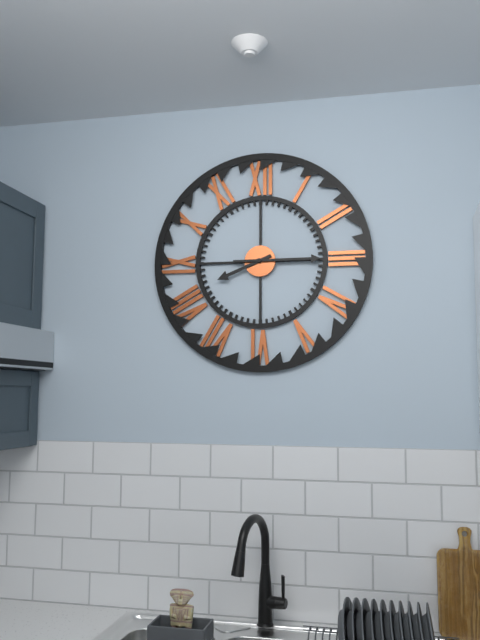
8:15
